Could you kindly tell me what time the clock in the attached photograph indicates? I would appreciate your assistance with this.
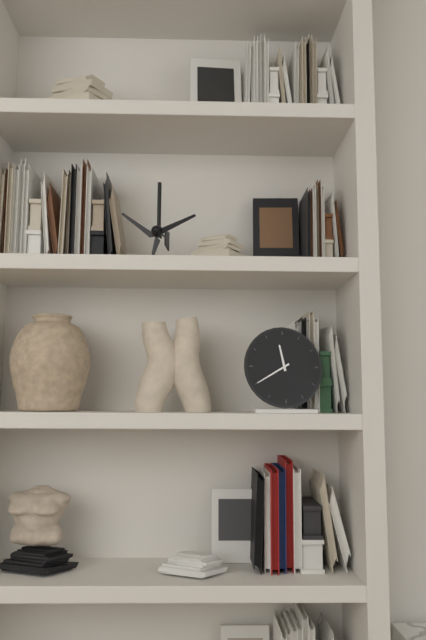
11:40
